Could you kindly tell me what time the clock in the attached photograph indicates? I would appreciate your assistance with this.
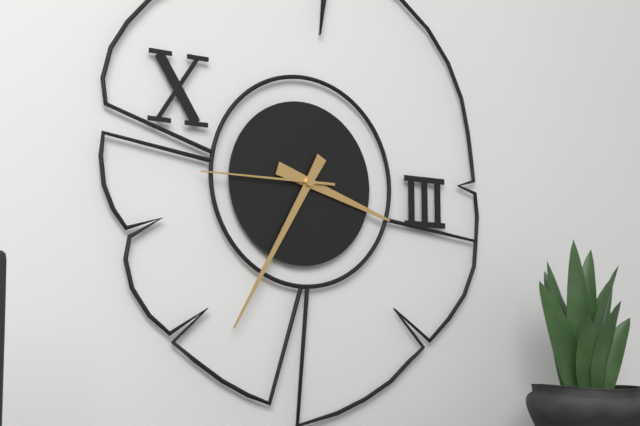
3:35:45
